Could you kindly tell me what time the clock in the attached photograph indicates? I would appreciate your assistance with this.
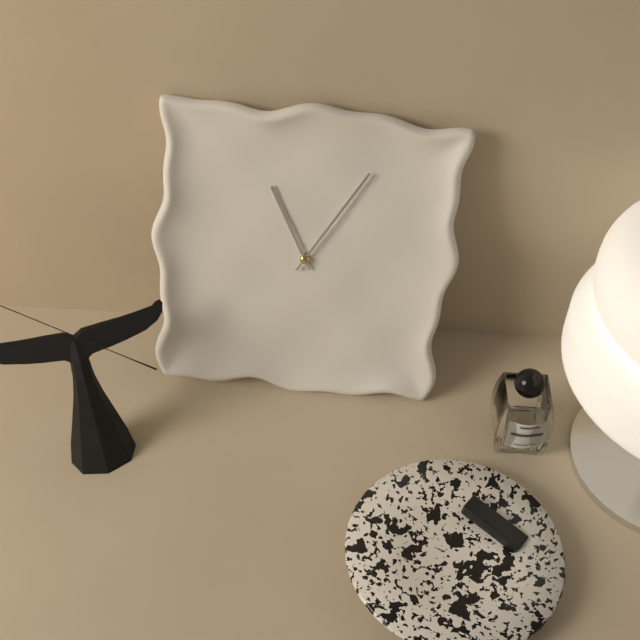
11:05
